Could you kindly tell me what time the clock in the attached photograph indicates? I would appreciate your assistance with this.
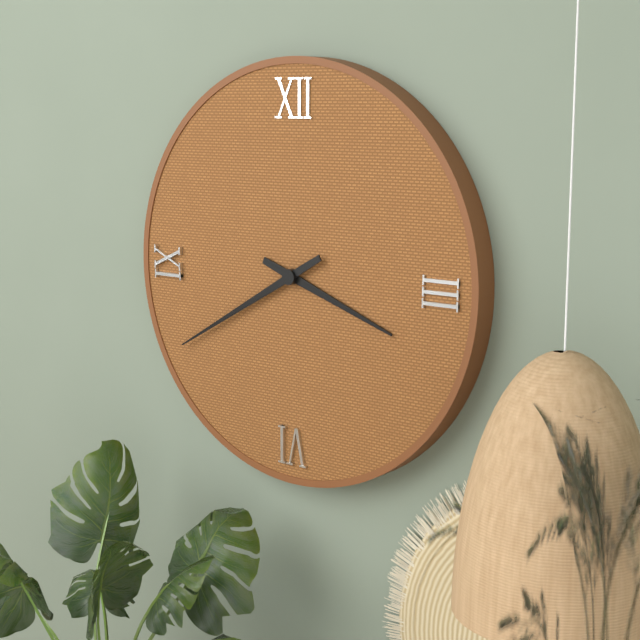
3:40
